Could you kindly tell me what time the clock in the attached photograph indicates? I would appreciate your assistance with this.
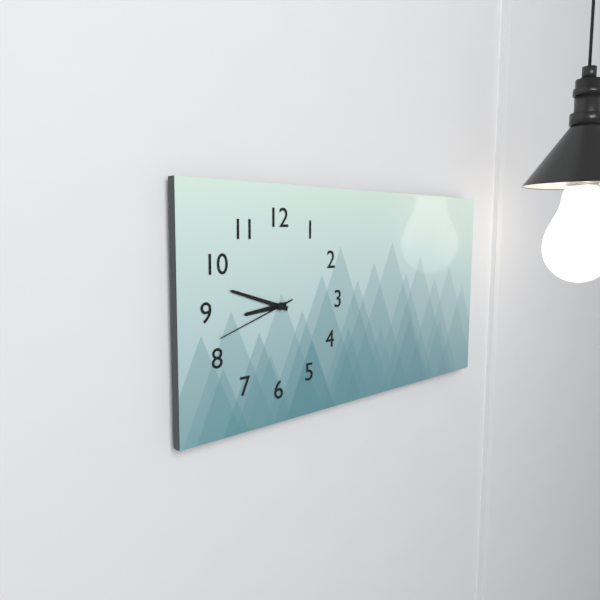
8:48:42
